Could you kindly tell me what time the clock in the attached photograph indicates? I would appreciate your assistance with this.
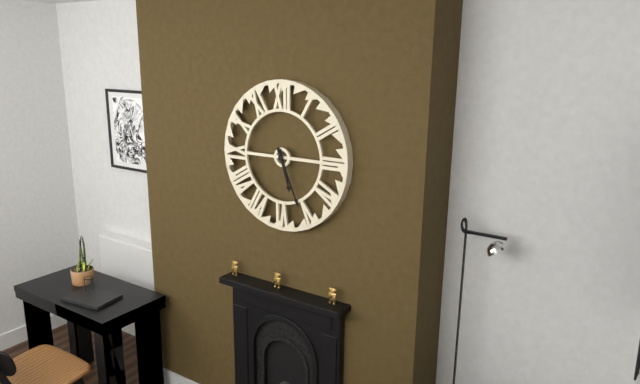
5:26
